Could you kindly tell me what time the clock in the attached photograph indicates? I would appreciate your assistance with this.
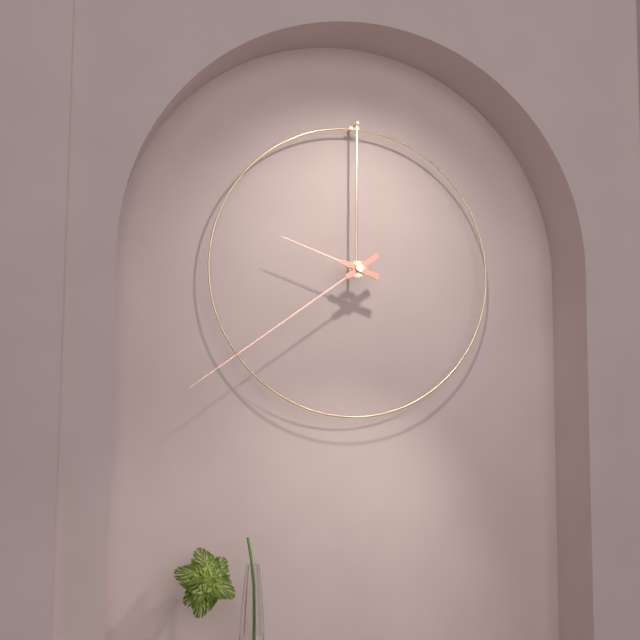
9:39
